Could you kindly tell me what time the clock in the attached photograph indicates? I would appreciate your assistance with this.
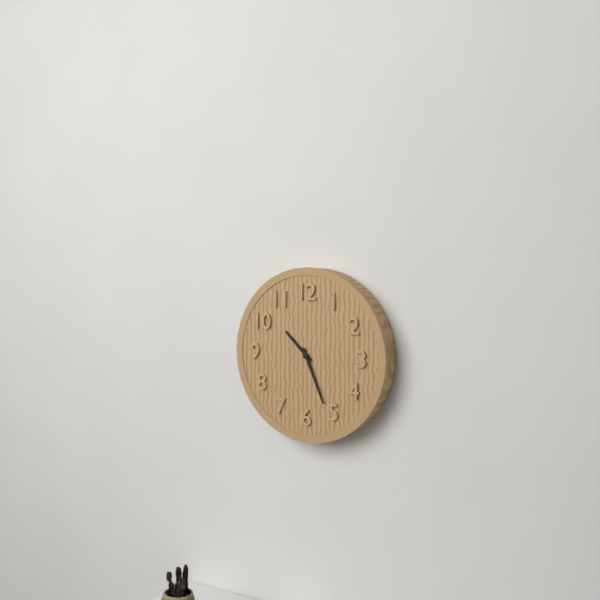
10:26
